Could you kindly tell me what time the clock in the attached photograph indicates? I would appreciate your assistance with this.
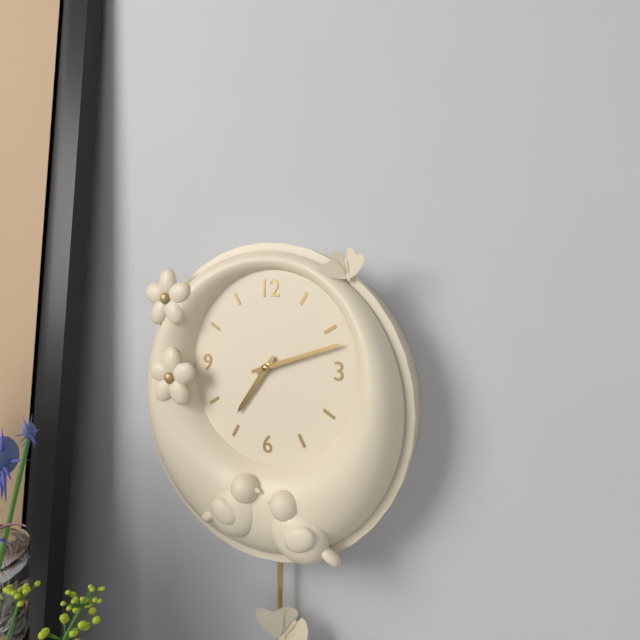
7:12
